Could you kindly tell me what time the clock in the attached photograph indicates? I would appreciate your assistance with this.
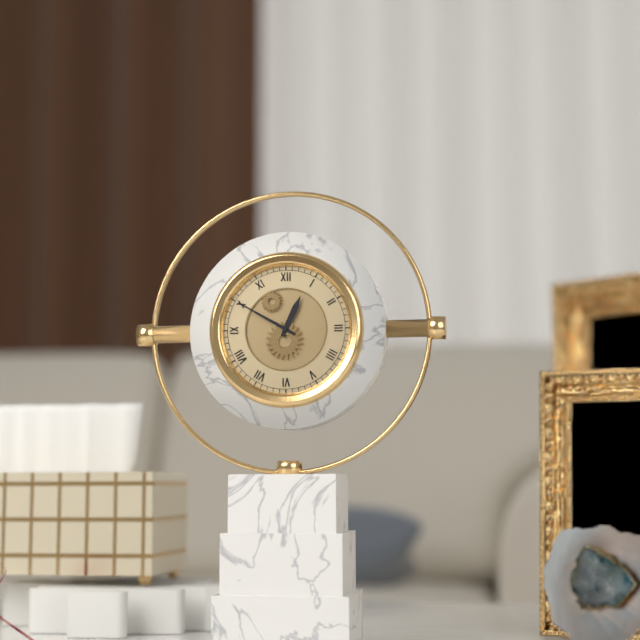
12:50
